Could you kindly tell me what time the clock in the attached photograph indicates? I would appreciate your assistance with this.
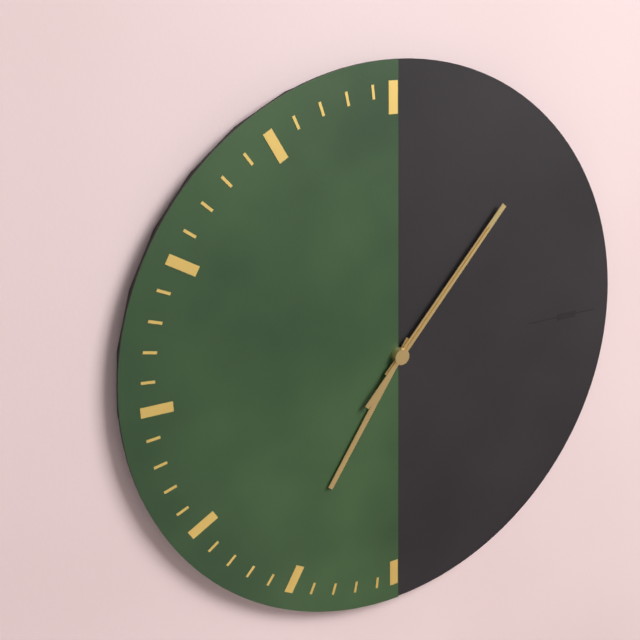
7:07:07
